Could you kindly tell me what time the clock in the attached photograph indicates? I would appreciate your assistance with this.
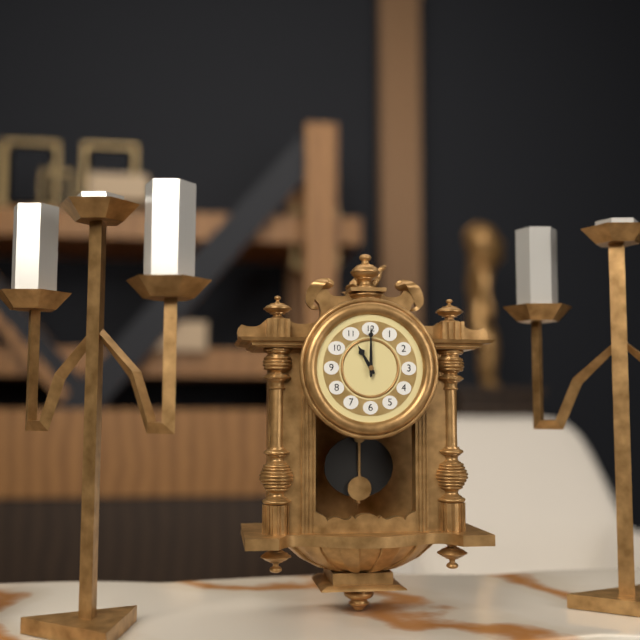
11:00
